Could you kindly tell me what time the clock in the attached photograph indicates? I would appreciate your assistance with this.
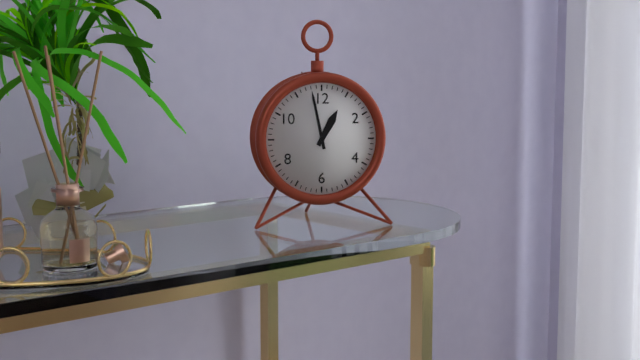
12:58
